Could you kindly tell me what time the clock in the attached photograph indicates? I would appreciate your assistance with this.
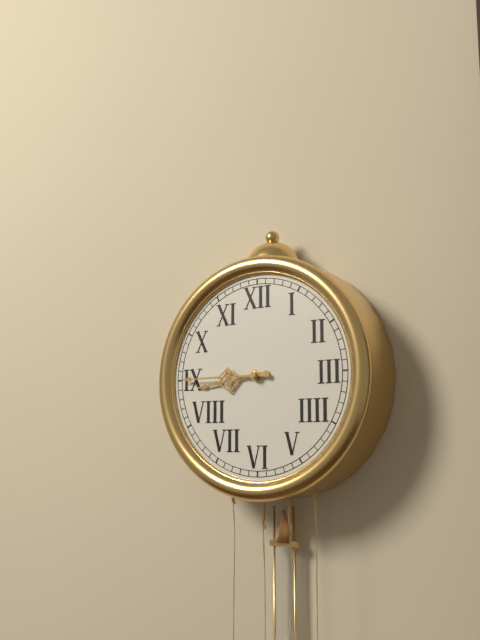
8:45
